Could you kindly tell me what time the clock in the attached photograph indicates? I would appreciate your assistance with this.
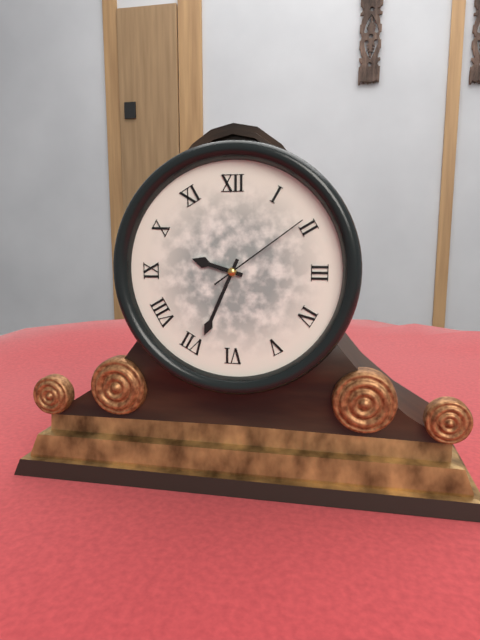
9:34:09
